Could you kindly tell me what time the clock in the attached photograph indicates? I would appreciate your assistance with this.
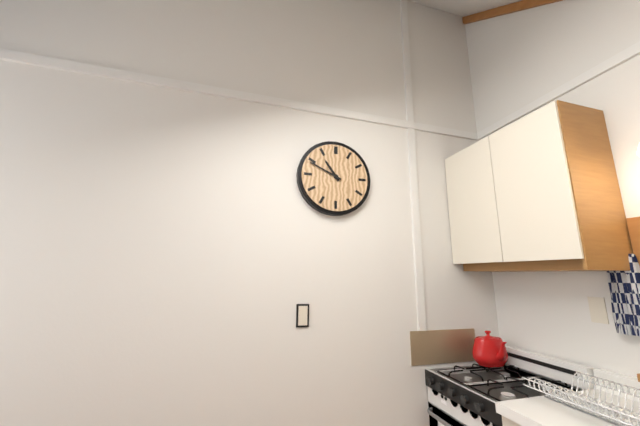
10:49
